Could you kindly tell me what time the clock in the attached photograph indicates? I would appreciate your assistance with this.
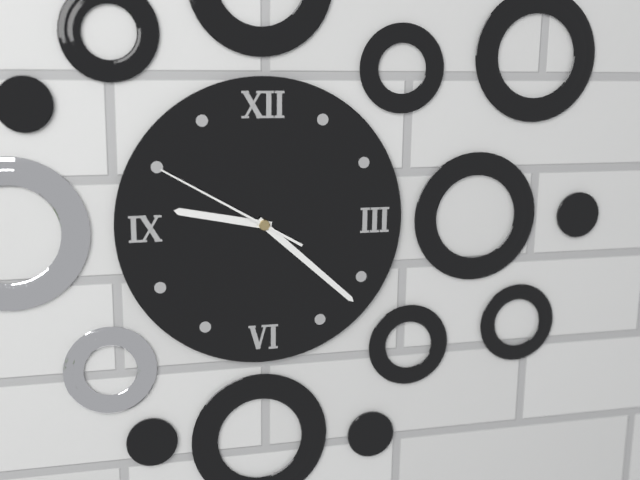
9:22:50
